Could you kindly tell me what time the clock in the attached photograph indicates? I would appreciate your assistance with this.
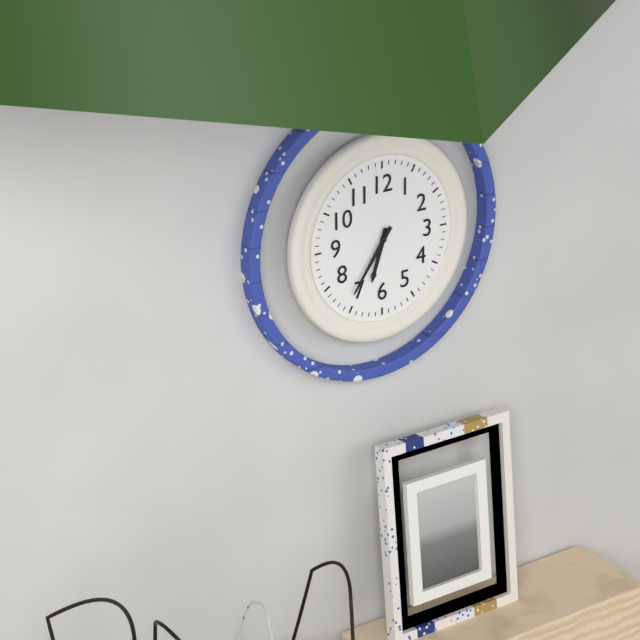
6:36
